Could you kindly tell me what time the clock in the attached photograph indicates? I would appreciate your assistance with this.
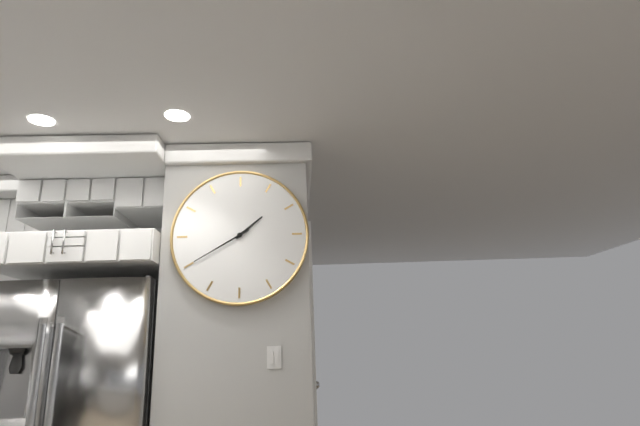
1:40
